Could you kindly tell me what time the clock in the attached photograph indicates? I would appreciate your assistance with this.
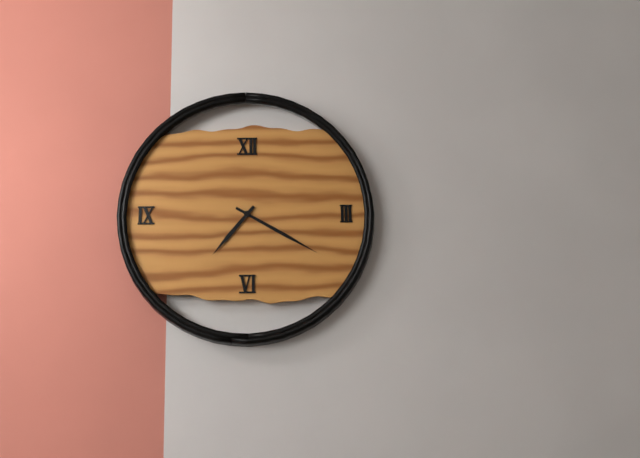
7:20
